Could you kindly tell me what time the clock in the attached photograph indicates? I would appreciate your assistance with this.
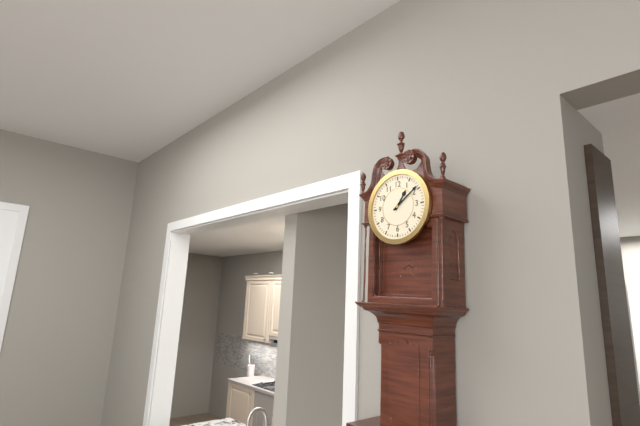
1:09
